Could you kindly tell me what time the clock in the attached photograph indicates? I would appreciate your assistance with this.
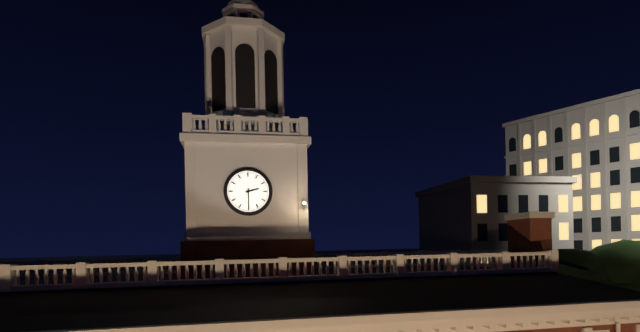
2:30
